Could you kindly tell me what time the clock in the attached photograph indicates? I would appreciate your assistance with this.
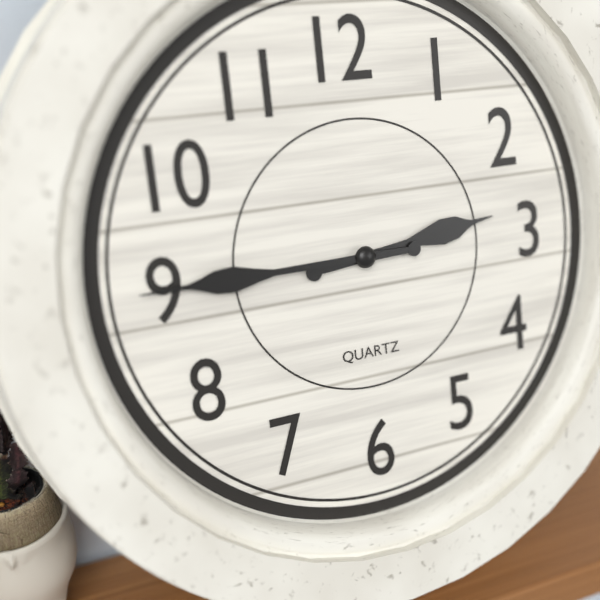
2:45
